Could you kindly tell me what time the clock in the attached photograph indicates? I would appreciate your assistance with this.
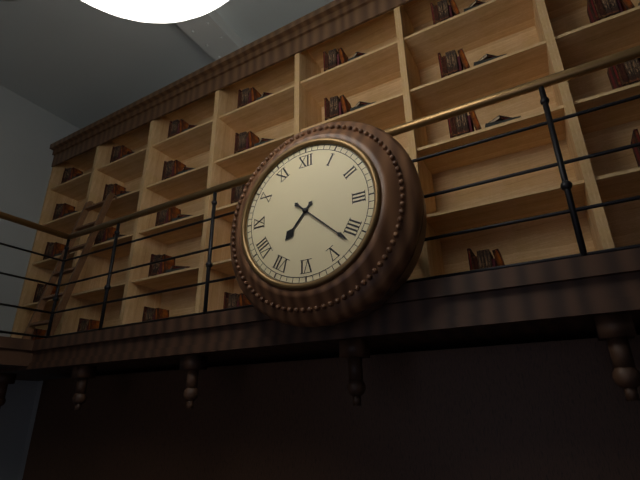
7:22
